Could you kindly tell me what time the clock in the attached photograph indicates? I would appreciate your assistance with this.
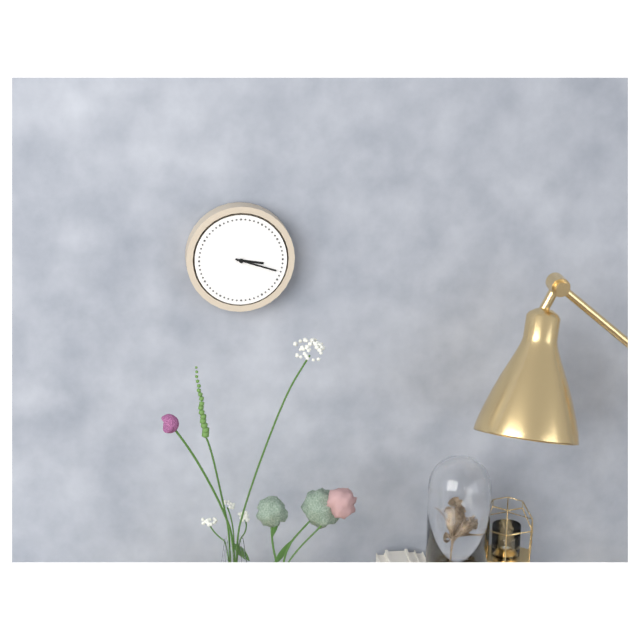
3:18
